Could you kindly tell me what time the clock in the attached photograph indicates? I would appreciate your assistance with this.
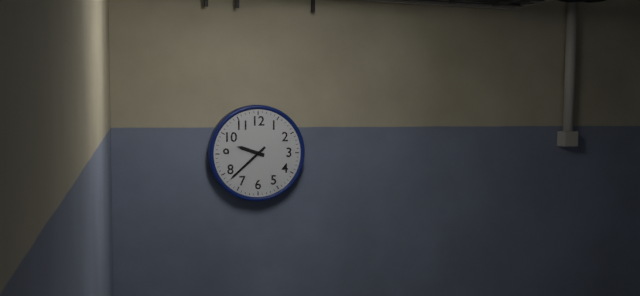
9:38
